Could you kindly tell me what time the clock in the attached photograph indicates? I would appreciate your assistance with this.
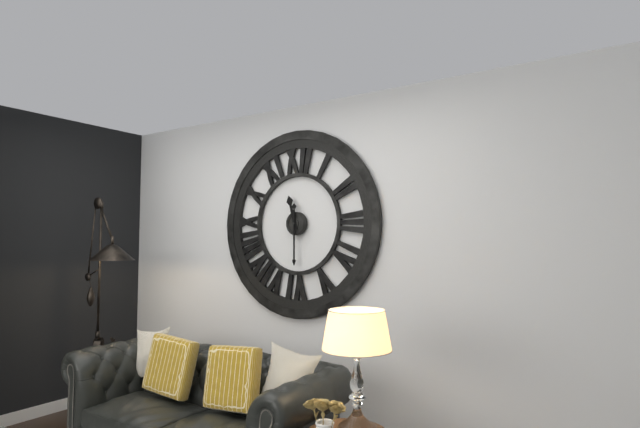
11:30
